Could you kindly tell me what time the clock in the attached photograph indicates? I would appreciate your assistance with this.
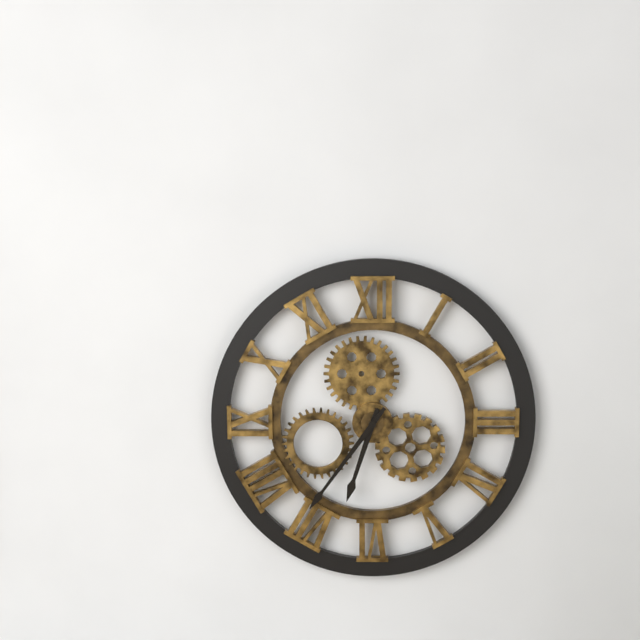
6:36
